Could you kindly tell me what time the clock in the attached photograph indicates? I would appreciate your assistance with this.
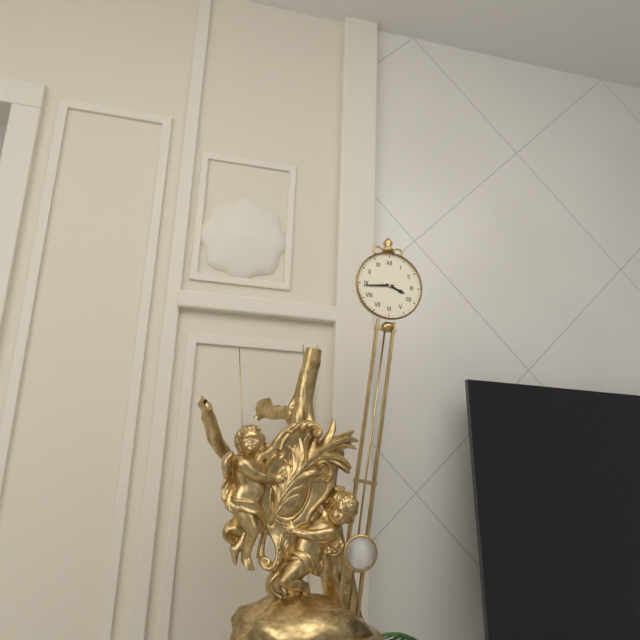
3:44
